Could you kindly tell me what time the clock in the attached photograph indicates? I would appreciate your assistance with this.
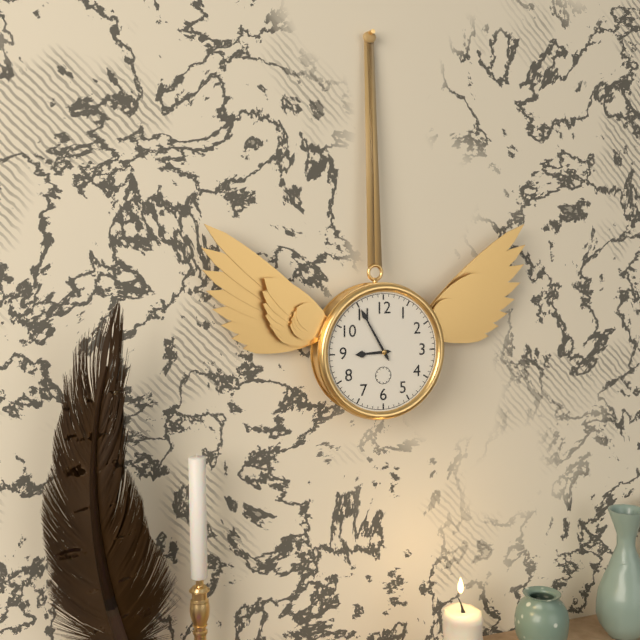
8:55
